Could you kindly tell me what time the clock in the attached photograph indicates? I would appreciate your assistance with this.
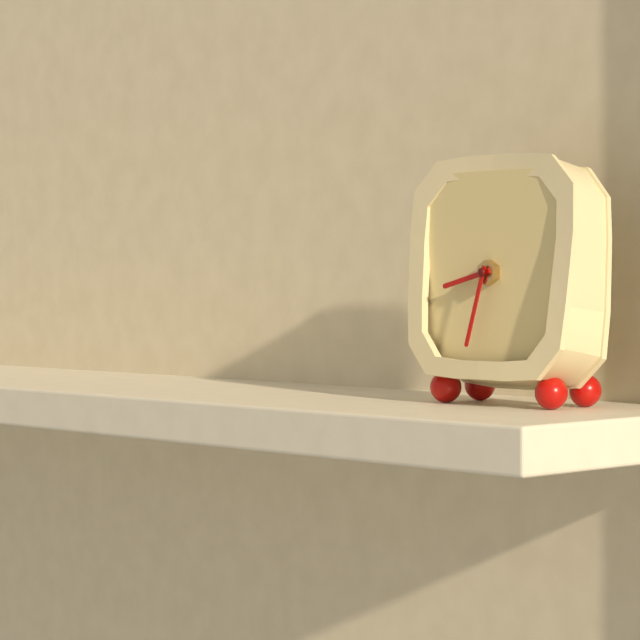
8:33
